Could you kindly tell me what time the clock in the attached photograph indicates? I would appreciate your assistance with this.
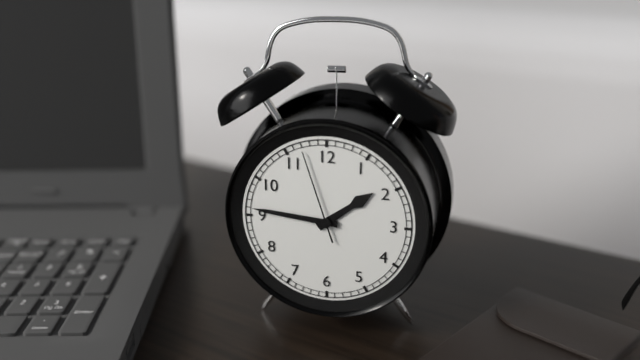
1:46:57
